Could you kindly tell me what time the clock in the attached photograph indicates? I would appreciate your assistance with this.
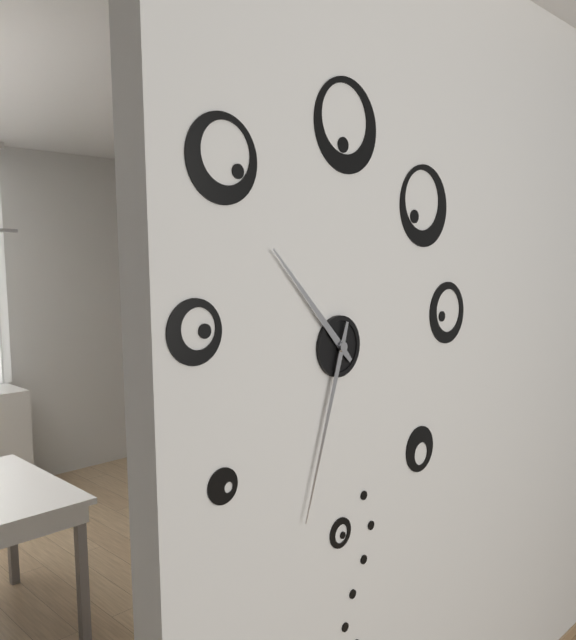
10:33
